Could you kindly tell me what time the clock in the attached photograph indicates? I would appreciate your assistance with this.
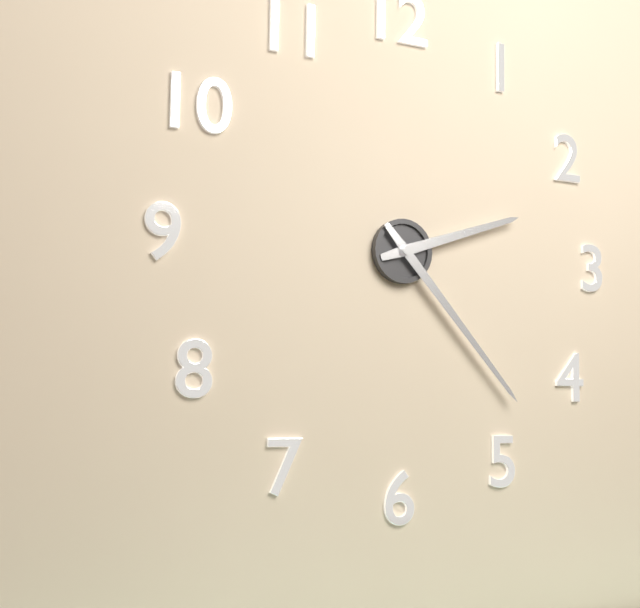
2:23
